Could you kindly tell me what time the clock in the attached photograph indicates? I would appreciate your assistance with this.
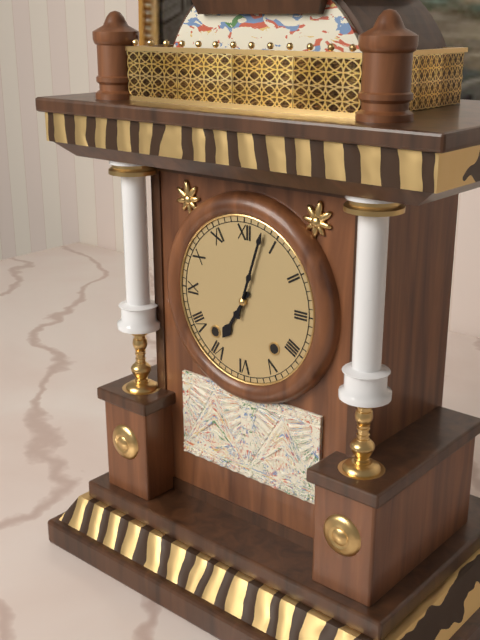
7:03
